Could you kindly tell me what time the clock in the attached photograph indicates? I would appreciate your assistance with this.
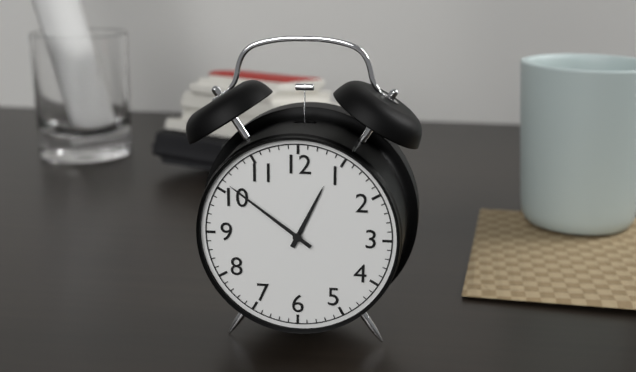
12:51
